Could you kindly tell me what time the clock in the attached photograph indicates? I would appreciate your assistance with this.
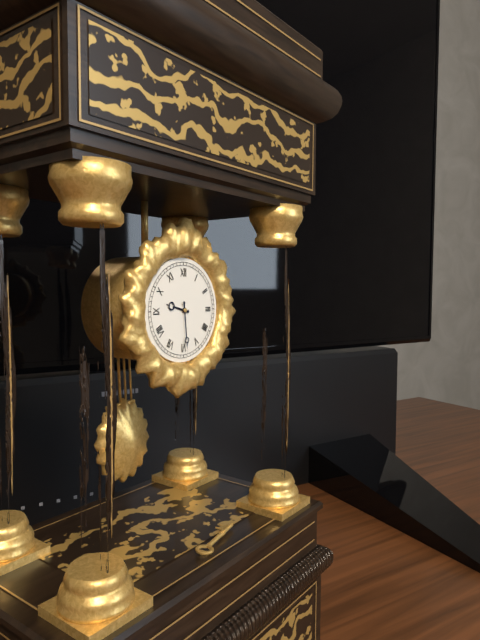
9:29
